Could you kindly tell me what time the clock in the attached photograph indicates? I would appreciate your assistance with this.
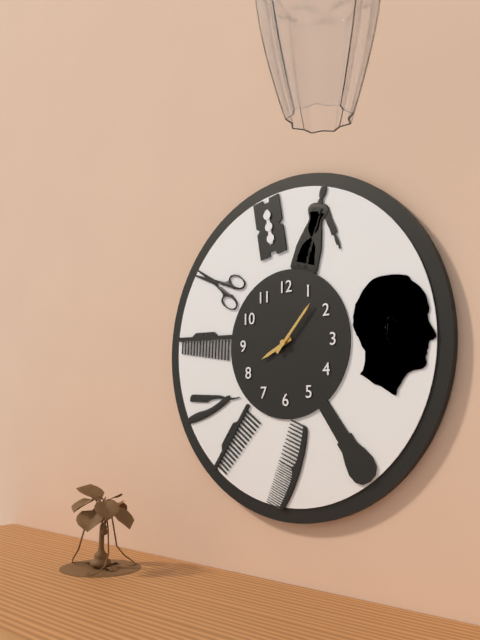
8:07
